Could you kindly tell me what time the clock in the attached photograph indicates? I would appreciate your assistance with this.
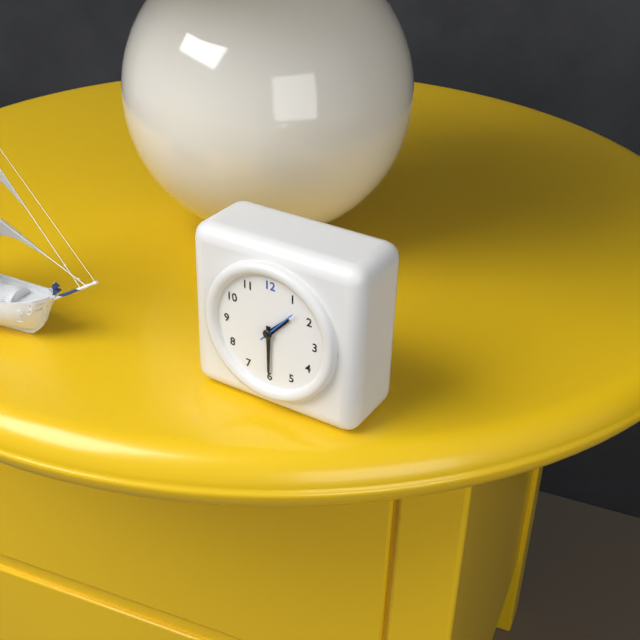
1:30
